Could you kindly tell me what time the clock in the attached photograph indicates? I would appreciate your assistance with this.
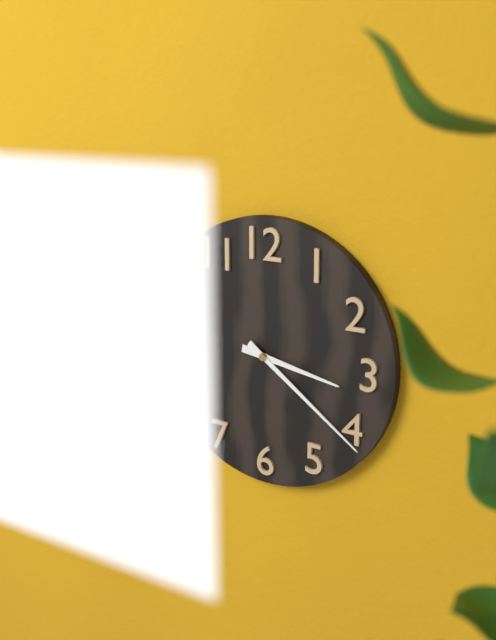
3:21
